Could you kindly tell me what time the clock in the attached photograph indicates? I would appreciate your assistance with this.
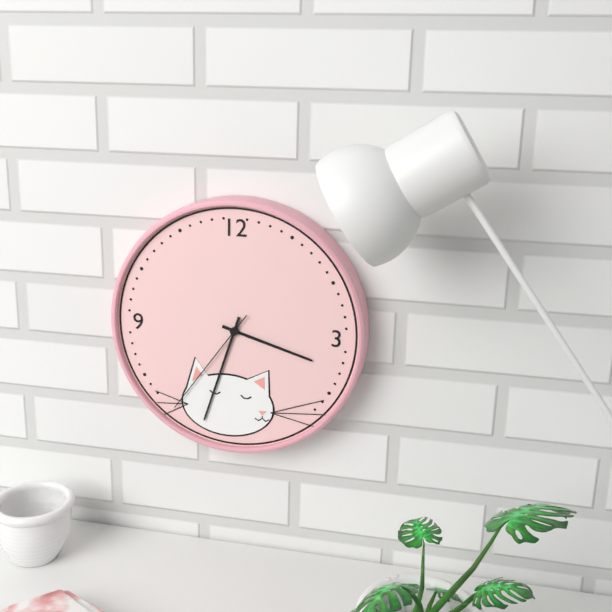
3:33:36
